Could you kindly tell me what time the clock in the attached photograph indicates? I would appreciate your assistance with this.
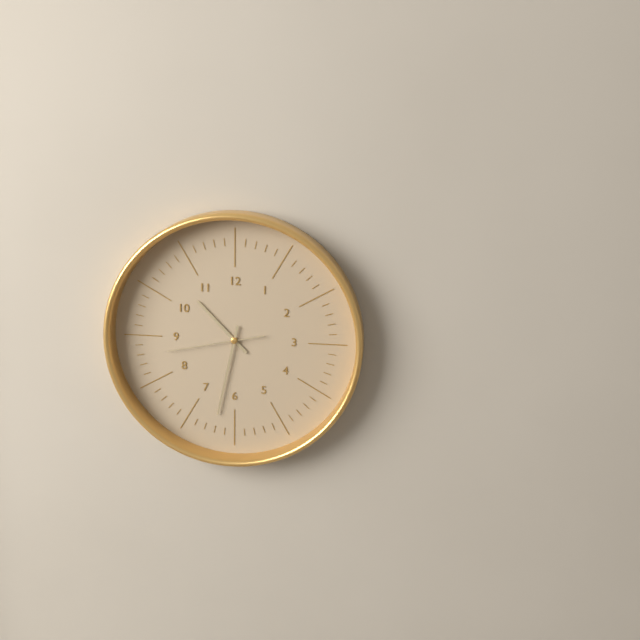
10:32:43
